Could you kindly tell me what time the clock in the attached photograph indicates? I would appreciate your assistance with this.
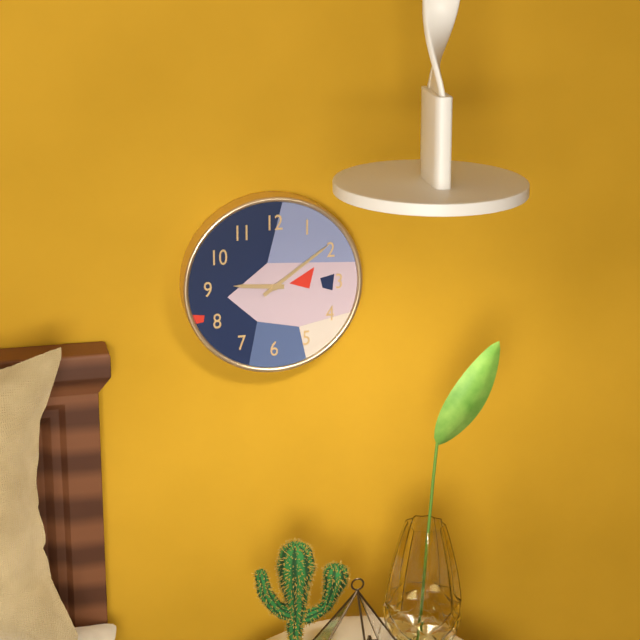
9:09
